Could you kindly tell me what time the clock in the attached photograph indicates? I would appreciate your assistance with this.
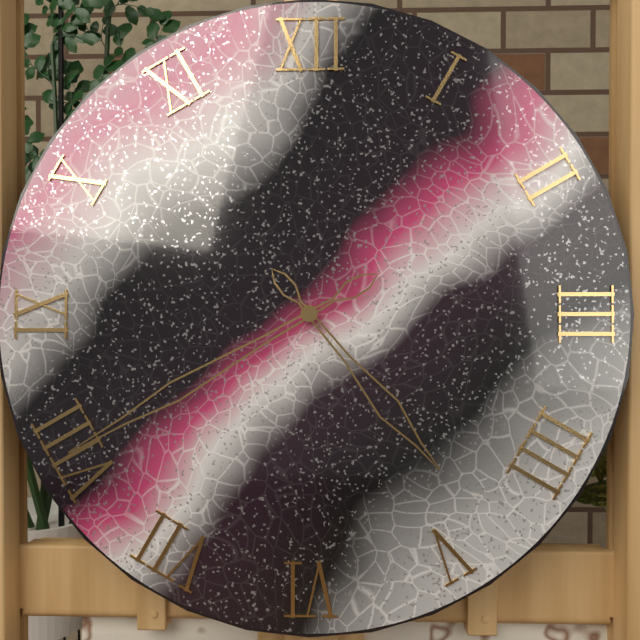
4:40
